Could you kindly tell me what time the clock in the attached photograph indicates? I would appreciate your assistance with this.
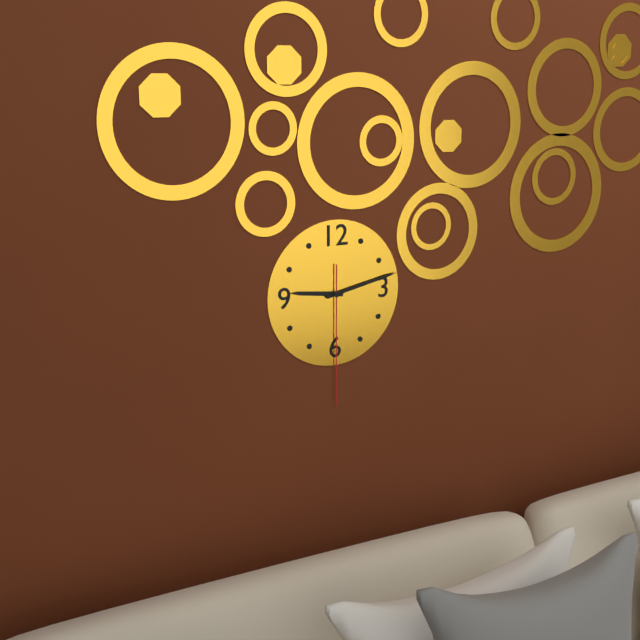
9:13:30
